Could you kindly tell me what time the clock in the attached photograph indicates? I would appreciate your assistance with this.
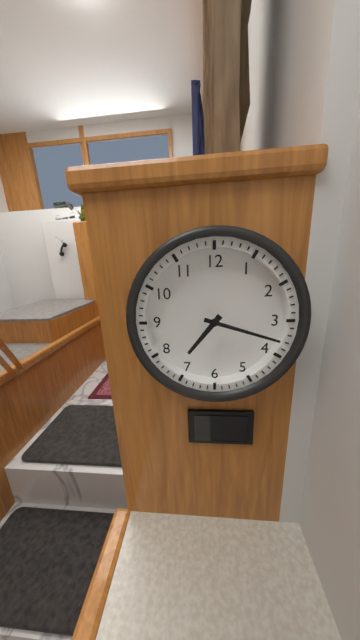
7:18
